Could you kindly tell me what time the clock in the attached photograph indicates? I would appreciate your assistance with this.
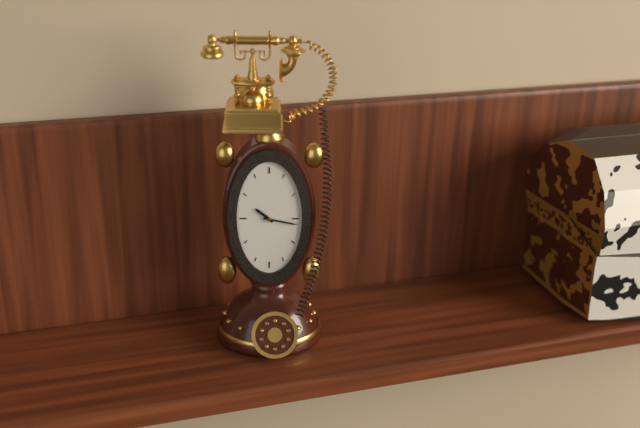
10:17
